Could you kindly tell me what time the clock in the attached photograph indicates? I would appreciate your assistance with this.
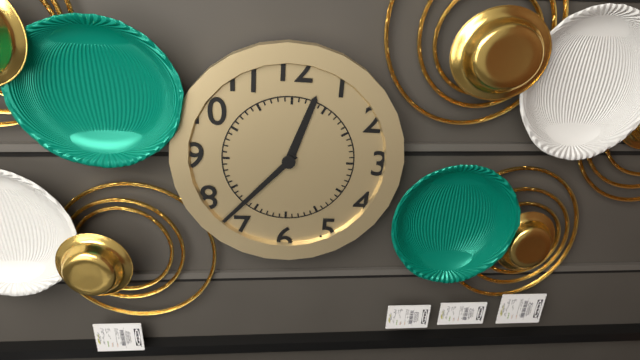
12:37
